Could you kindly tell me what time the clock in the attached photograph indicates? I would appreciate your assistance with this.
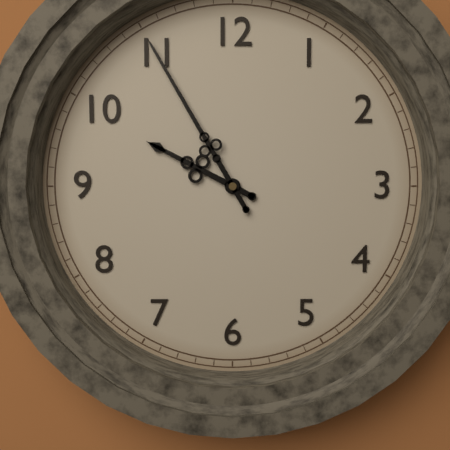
9:55
